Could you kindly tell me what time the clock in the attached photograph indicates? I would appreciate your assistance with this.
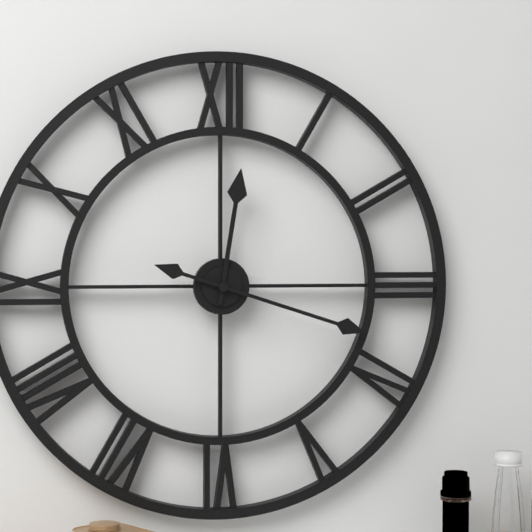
12:18
